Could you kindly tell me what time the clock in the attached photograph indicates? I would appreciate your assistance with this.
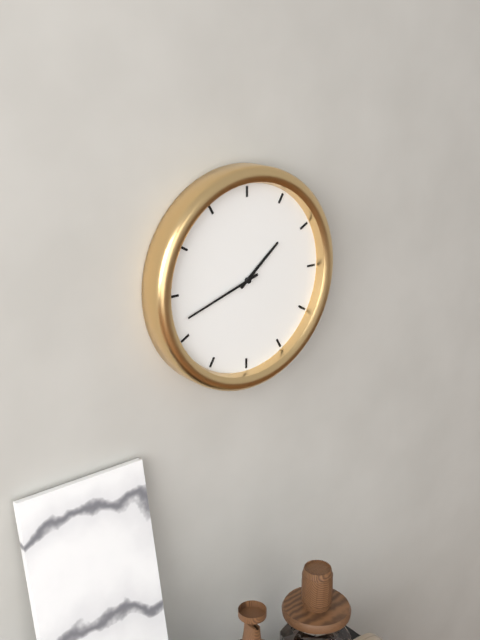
1:42
